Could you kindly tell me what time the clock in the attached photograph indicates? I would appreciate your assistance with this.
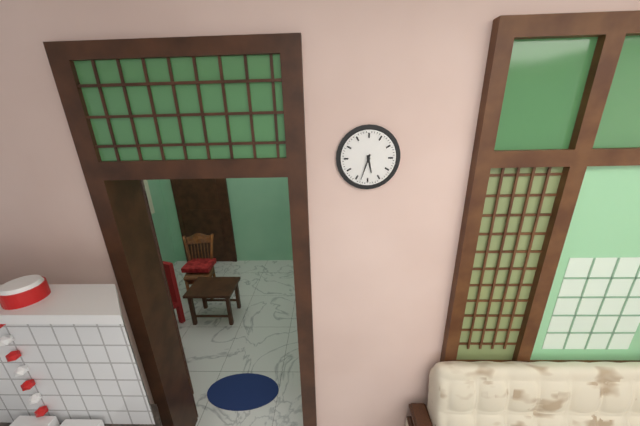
5:33
